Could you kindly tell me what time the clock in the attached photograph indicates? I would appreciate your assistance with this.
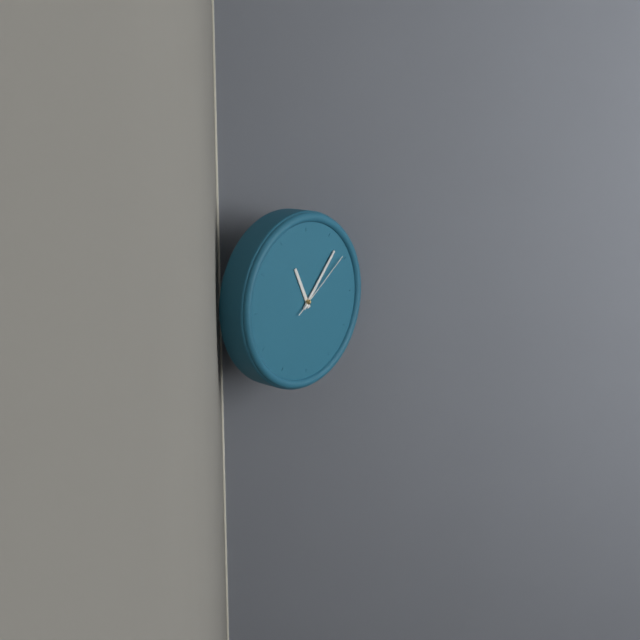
11:07:09
